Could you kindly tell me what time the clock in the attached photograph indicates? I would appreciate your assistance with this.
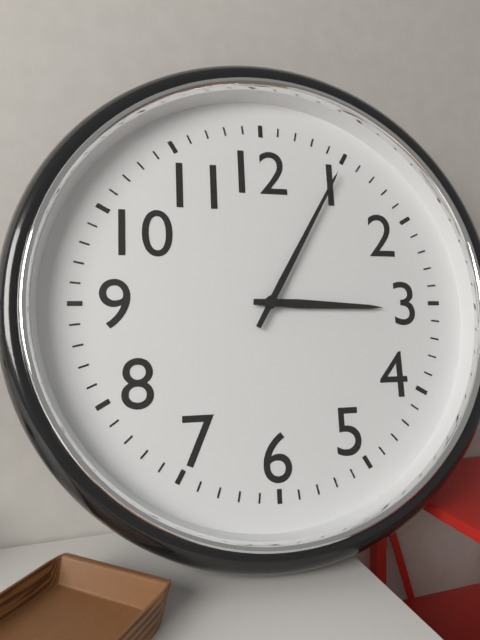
3:05
